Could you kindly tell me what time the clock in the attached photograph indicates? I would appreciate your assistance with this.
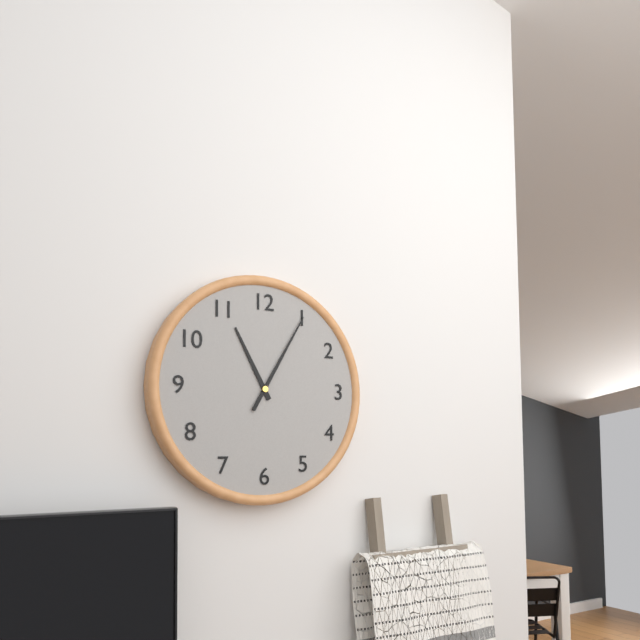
11:05
